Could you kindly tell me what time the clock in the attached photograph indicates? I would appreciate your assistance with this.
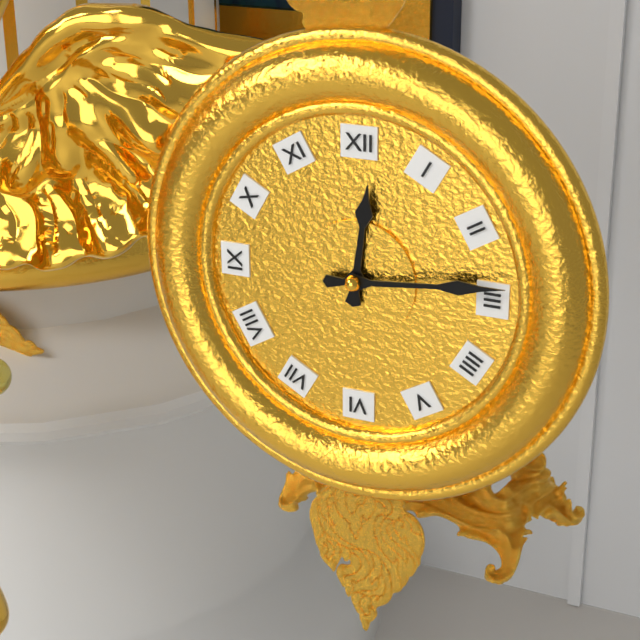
12:14
